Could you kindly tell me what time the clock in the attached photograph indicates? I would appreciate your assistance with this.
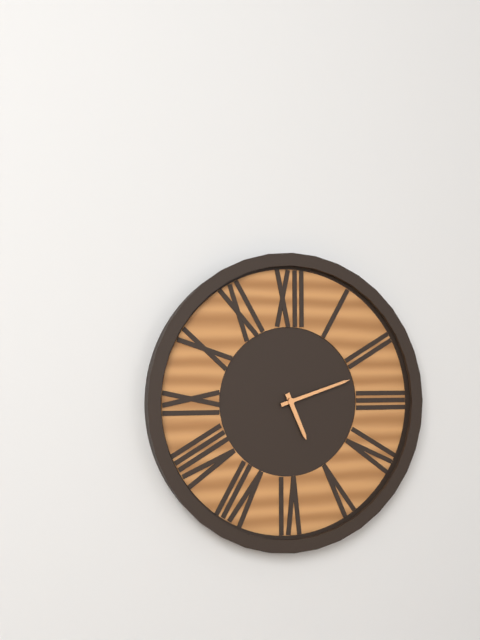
5:12
